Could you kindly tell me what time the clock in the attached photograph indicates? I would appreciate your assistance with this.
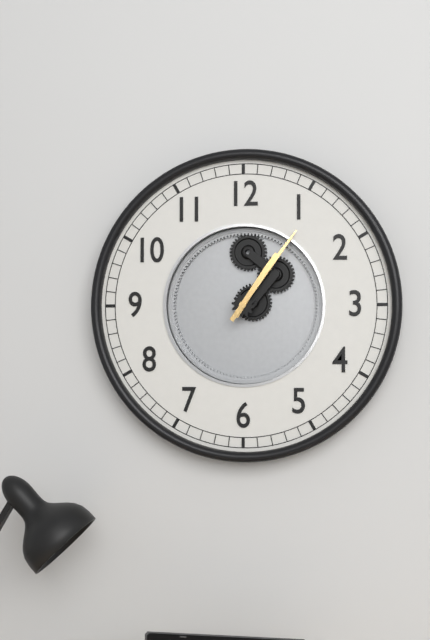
1:06
